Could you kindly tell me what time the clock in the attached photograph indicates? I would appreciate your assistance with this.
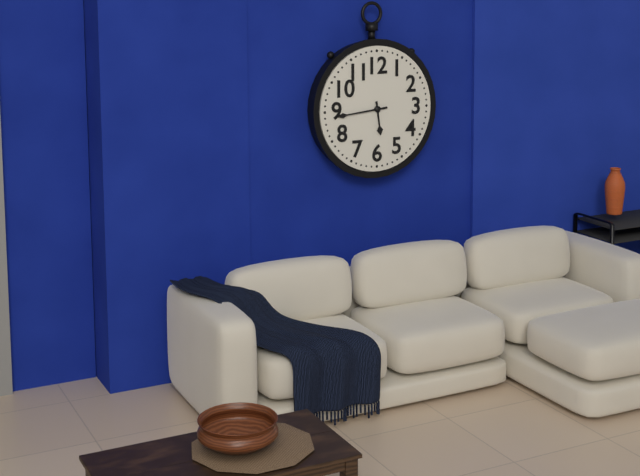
5:44
